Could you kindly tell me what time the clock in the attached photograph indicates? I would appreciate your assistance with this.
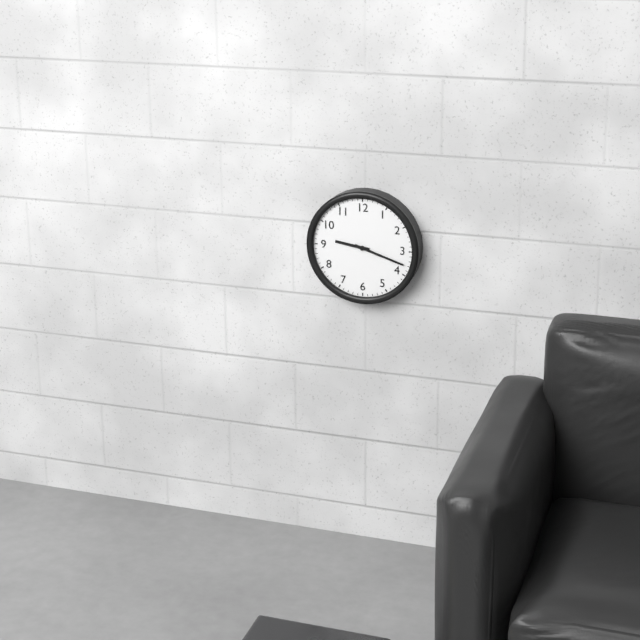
9:18
